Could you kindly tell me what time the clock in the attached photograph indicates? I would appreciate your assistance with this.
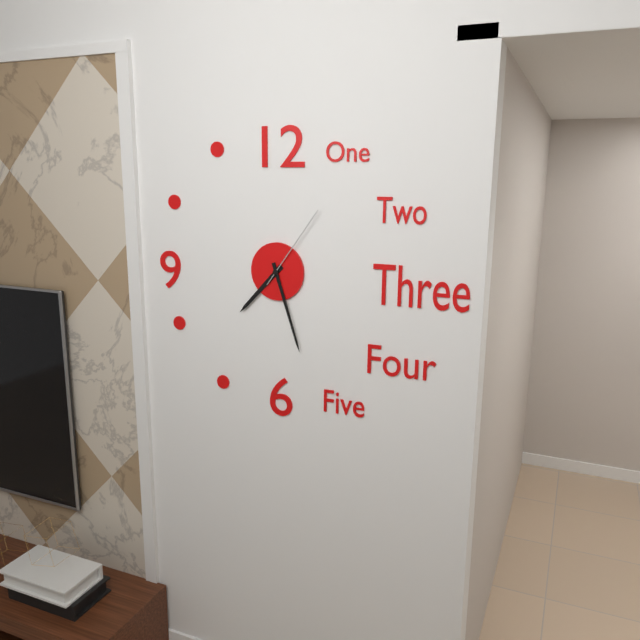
7:27:06
